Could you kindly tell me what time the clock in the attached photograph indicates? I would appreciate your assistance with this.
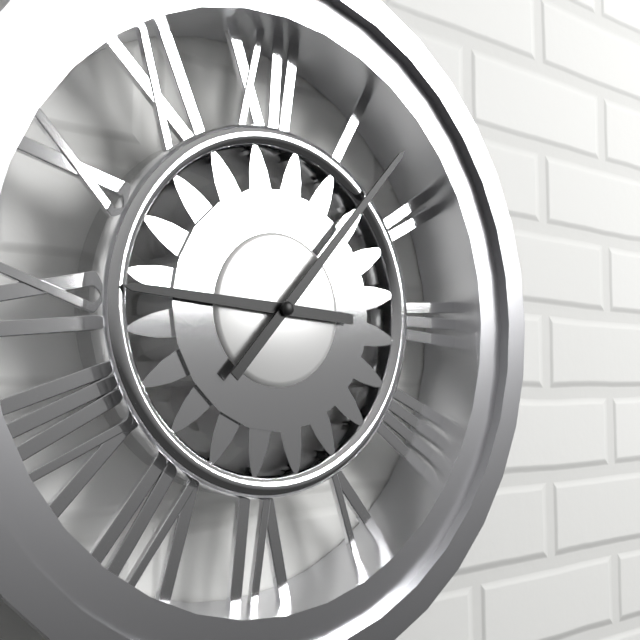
9:07
